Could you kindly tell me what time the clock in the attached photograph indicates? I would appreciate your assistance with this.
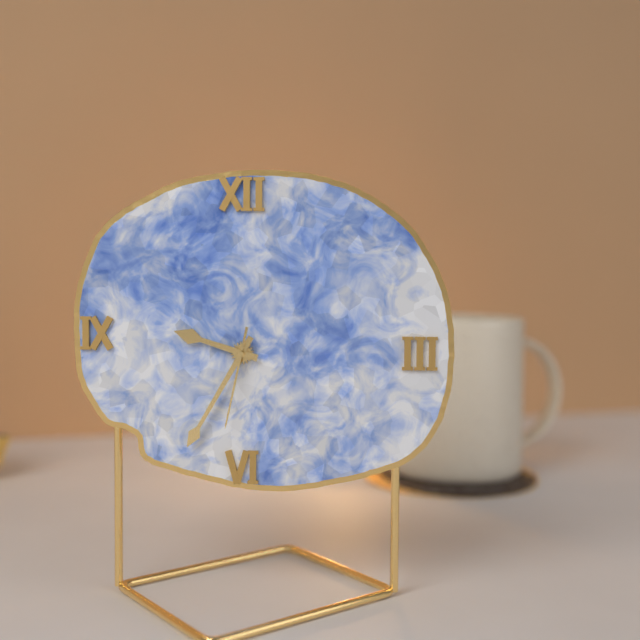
9:35:32
